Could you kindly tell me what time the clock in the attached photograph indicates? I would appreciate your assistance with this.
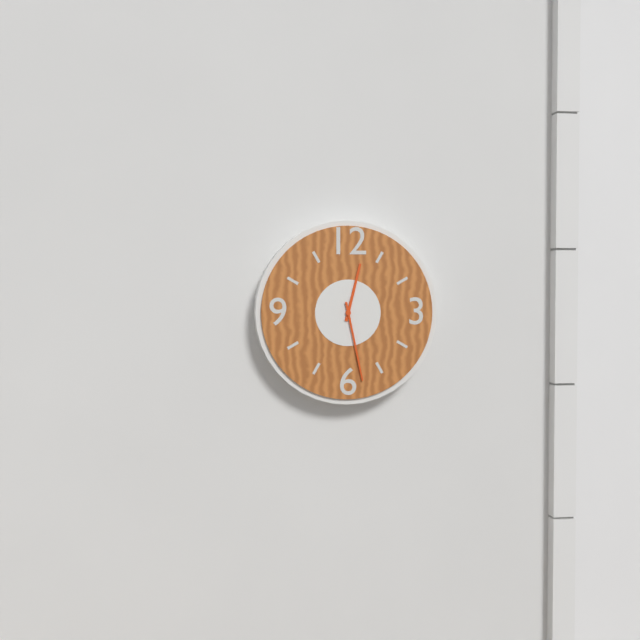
12:28
